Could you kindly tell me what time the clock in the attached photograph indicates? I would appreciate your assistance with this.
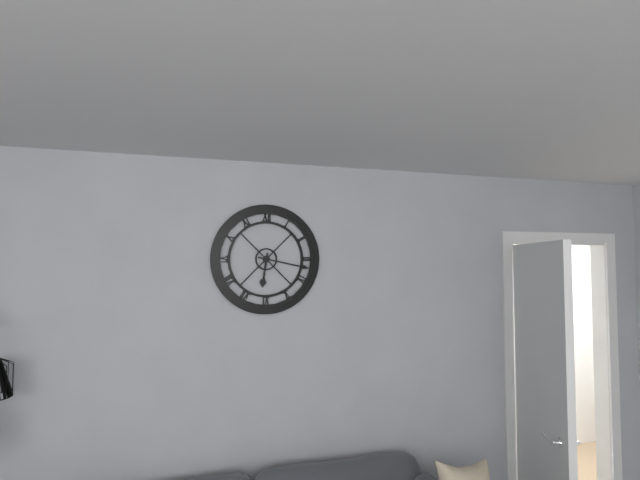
6:17
